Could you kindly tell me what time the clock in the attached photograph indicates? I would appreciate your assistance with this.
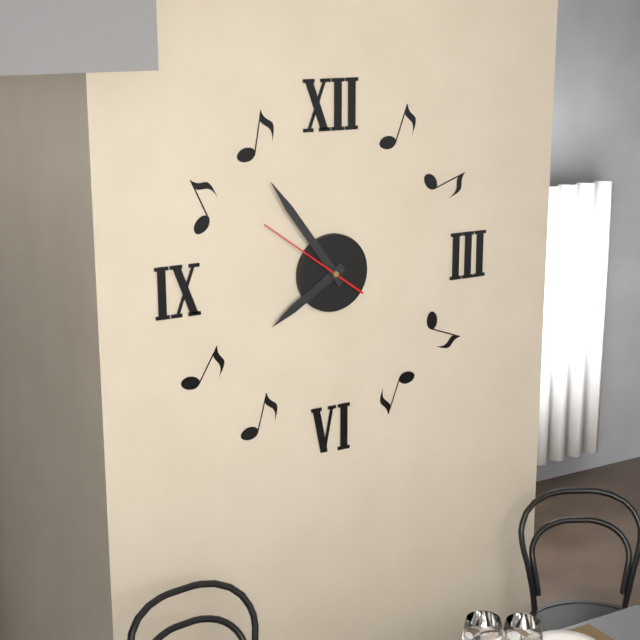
7:54:51
